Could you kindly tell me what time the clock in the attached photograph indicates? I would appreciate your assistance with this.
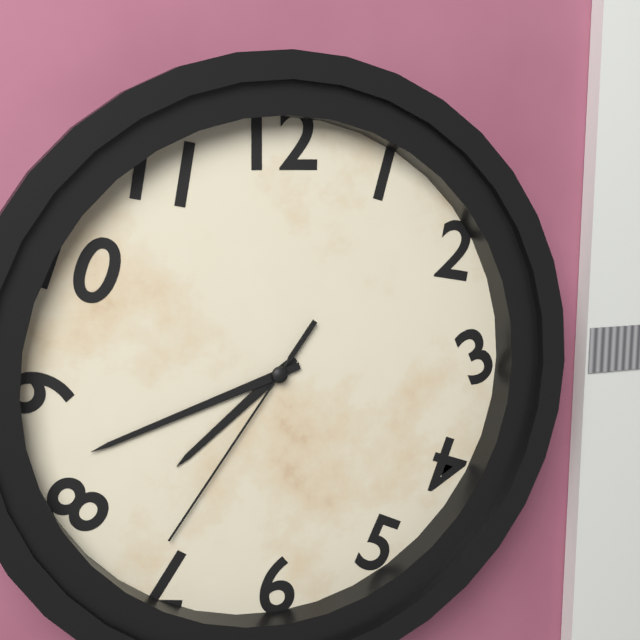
7:42:36
